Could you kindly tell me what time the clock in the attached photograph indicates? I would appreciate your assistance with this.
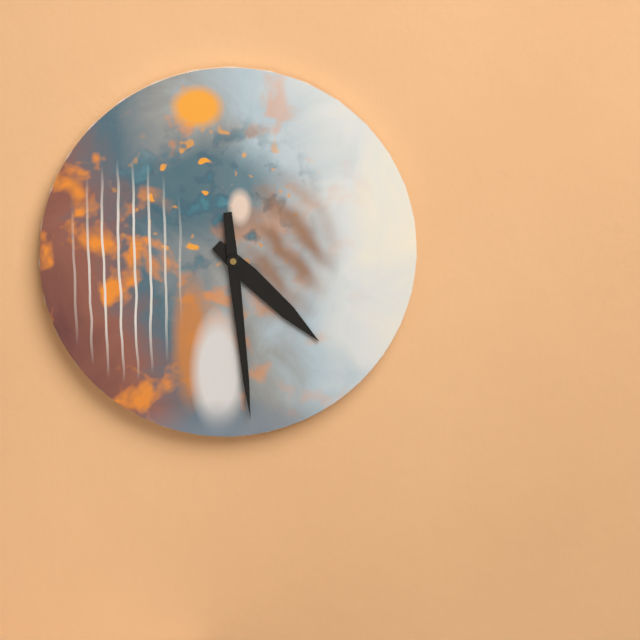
4:29
